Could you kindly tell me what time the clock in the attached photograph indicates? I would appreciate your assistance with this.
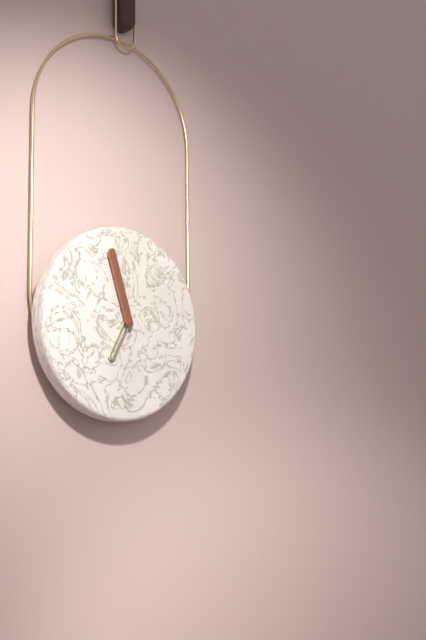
6:57
